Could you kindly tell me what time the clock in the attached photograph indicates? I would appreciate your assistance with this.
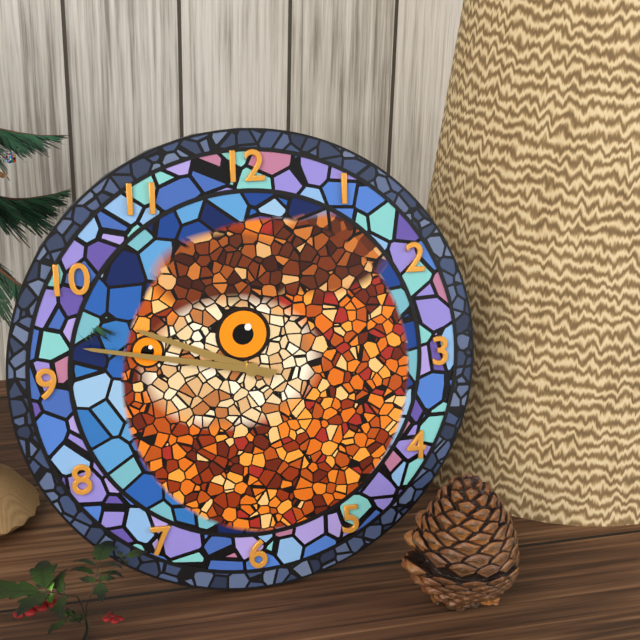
9:47
